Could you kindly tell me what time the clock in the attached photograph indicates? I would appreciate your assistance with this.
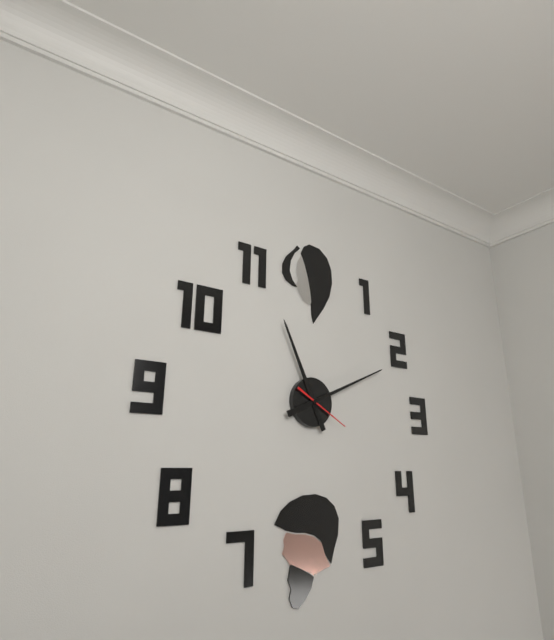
11:11:20
